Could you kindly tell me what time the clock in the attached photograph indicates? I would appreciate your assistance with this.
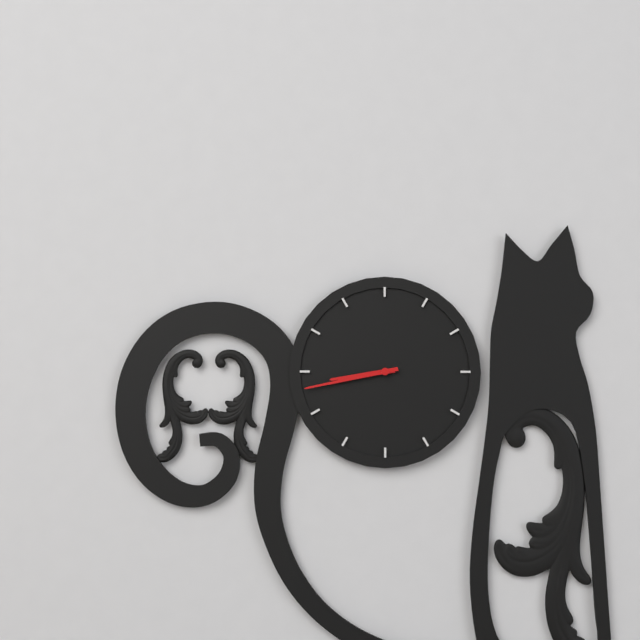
8:43
